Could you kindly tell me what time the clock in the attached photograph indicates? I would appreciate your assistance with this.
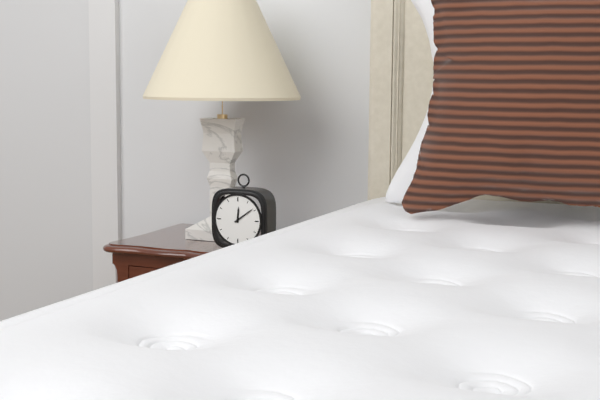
12:09
